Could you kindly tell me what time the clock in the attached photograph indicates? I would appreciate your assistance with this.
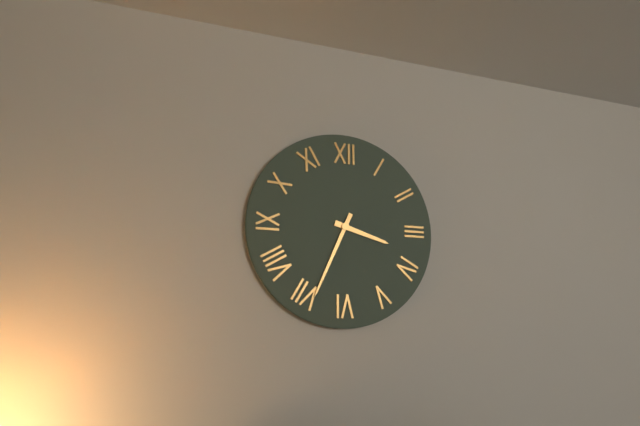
3:34
